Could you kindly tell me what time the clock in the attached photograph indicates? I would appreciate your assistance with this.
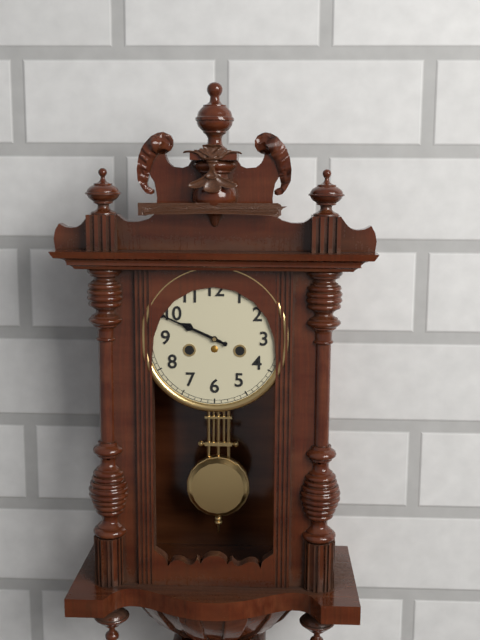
9:49
